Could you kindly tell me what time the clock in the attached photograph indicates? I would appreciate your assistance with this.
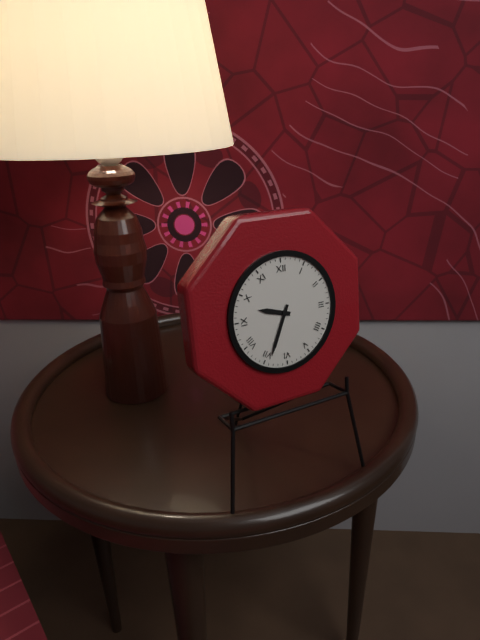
9:34
